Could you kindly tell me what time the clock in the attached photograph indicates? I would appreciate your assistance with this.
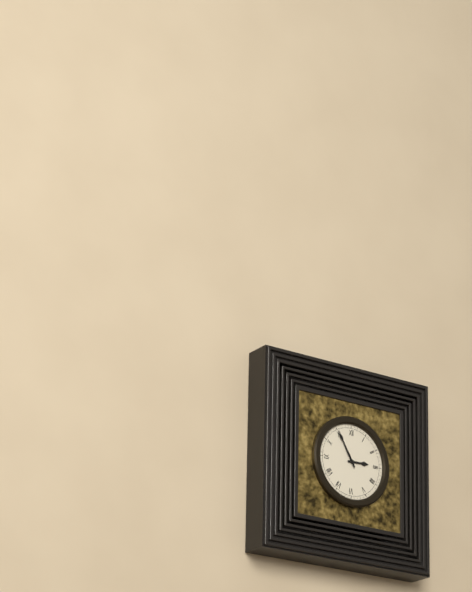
2:55
